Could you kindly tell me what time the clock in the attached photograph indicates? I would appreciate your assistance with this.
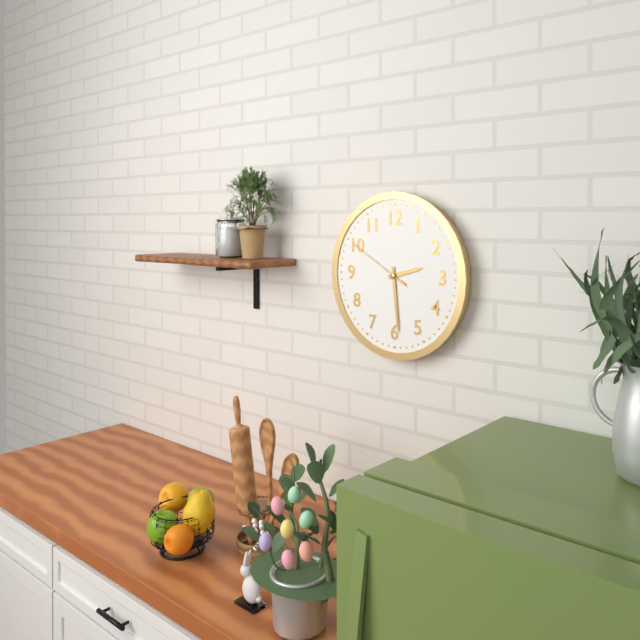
2:29:50
